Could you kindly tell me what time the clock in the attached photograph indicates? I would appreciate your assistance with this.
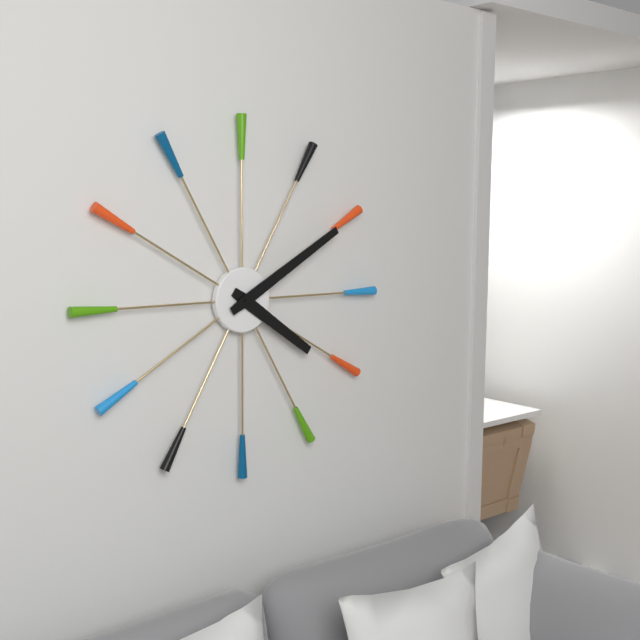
4:10
